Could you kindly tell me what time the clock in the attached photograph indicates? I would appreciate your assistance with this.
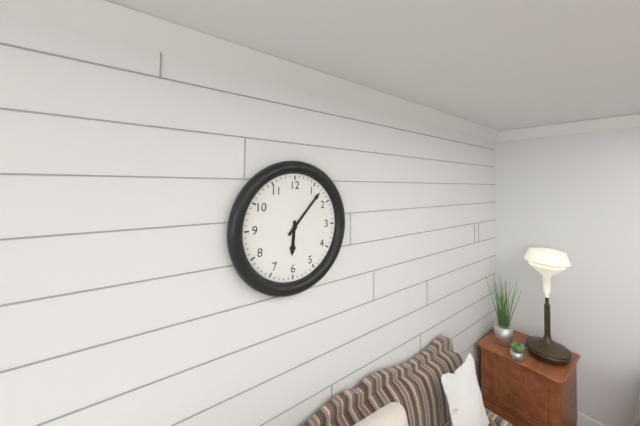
6:07
